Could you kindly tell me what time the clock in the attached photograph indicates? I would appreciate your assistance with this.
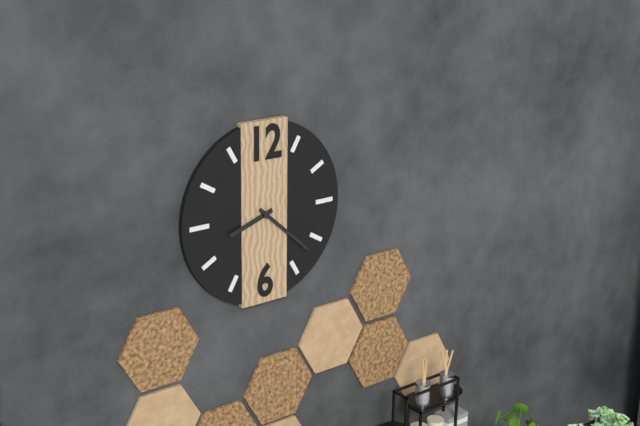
8:22
